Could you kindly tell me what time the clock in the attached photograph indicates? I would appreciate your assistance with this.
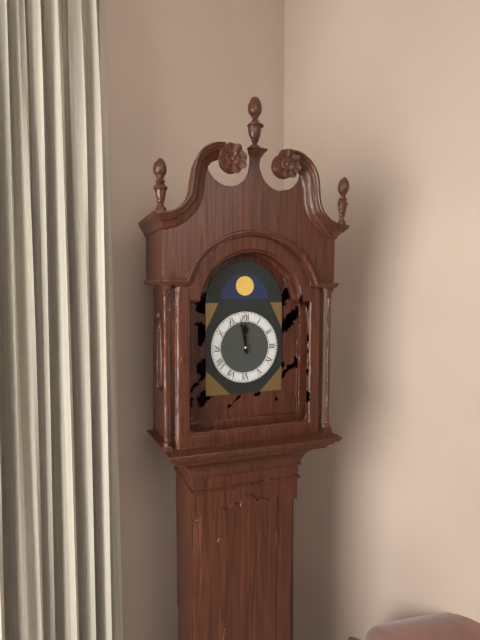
11:58
